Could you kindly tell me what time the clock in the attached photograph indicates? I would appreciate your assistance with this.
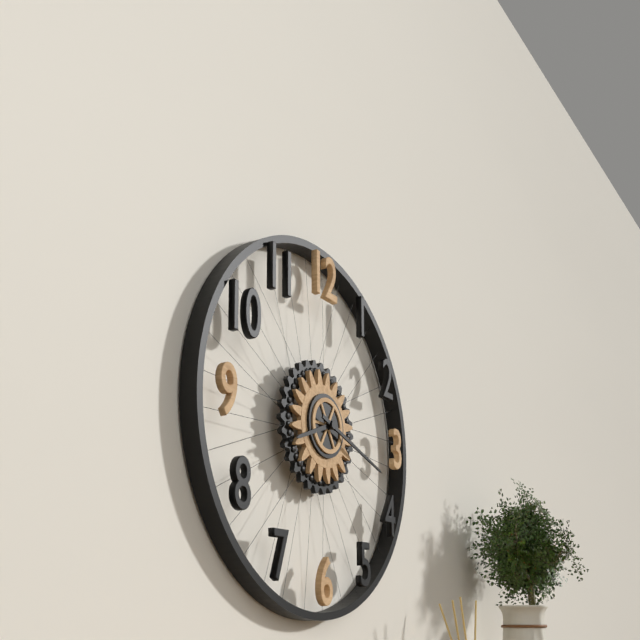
8:18
